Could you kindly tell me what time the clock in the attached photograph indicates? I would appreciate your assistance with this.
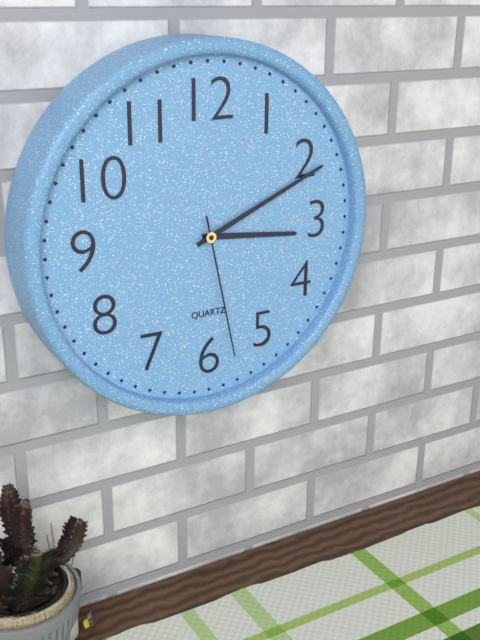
3:11:28
